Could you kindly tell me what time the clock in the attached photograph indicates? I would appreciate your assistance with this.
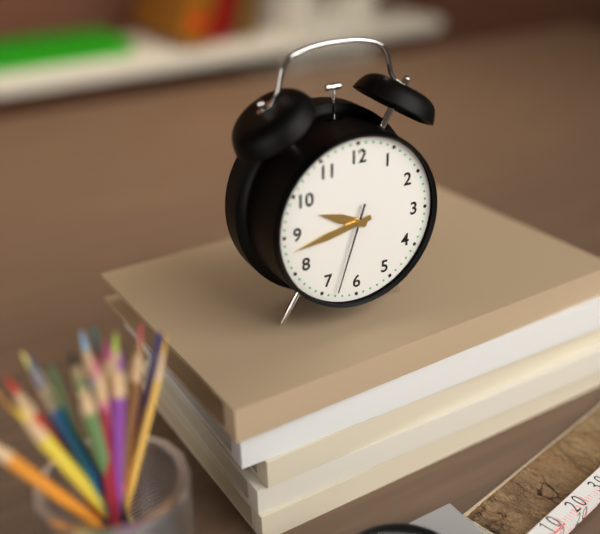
9:43:33
